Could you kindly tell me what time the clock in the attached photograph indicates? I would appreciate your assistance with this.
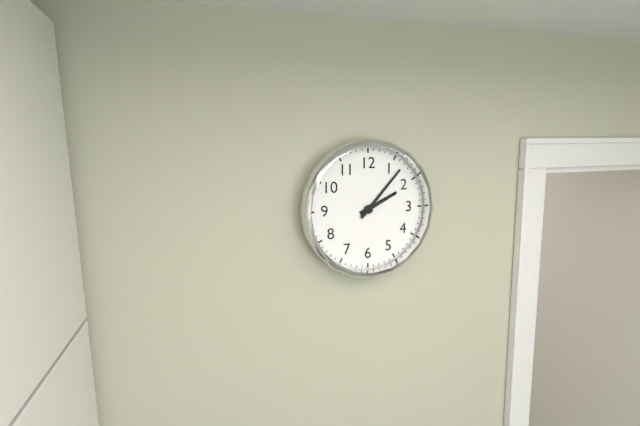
2:07
